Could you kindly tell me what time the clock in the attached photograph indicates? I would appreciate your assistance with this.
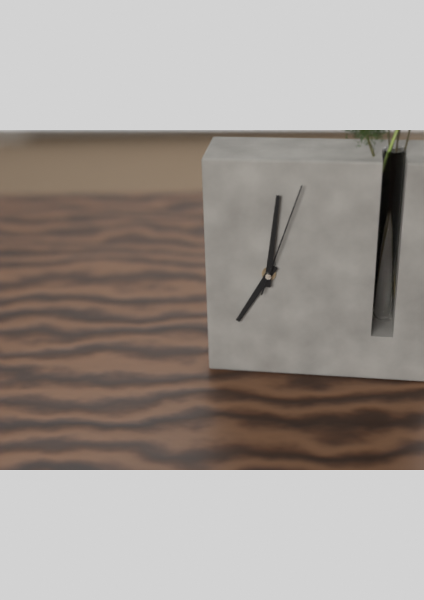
7:01:03
